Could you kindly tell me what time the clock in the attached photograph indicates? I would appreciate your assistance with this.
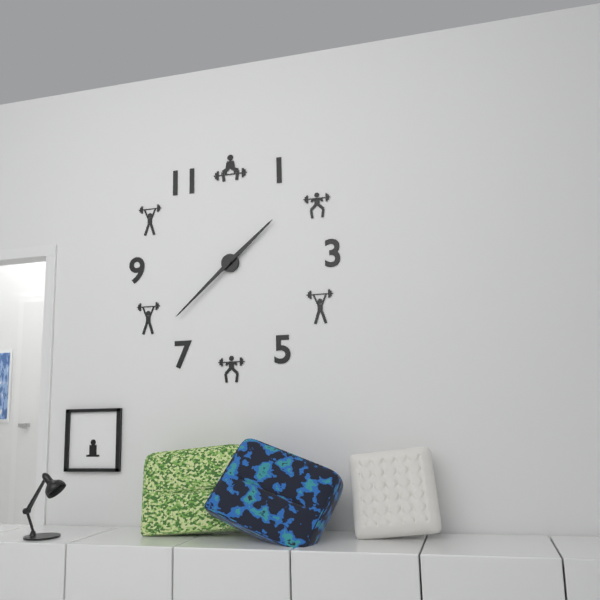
1:38
